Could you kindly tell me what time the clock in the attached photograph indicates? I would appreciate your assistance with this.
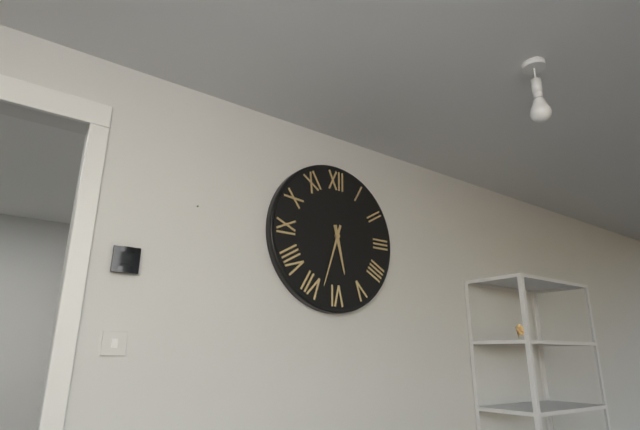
5:33
